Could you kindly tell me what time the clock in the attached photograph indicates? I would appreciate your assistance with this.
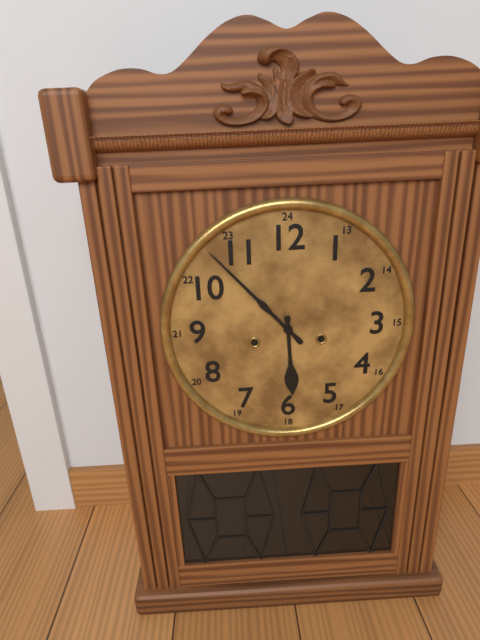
5:53
